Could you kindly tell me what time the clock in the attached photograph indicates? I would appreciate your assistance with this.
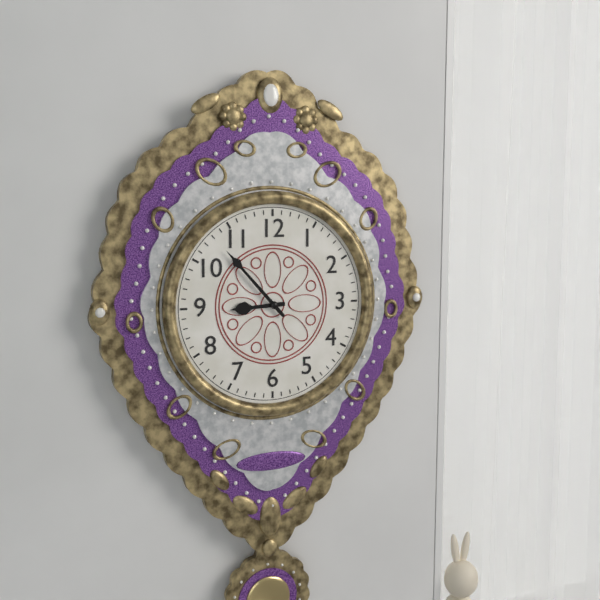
8:53
